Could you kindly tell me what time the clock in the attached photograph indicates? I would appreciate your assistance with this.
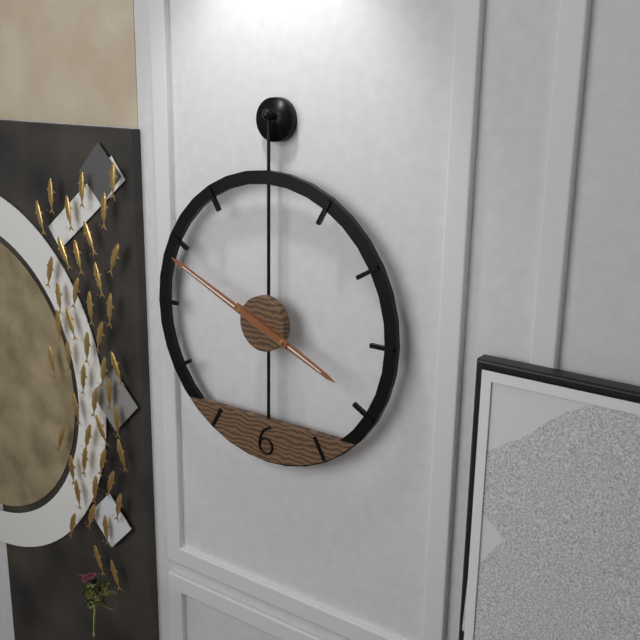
3:49
